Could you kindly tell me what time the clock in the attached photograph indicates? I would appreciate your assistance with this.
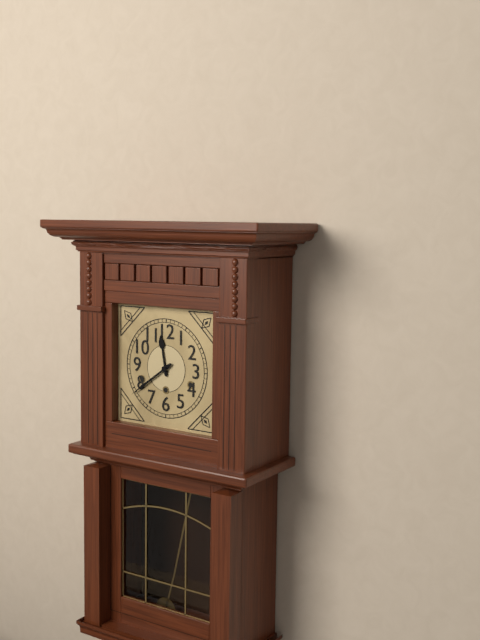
11:39
